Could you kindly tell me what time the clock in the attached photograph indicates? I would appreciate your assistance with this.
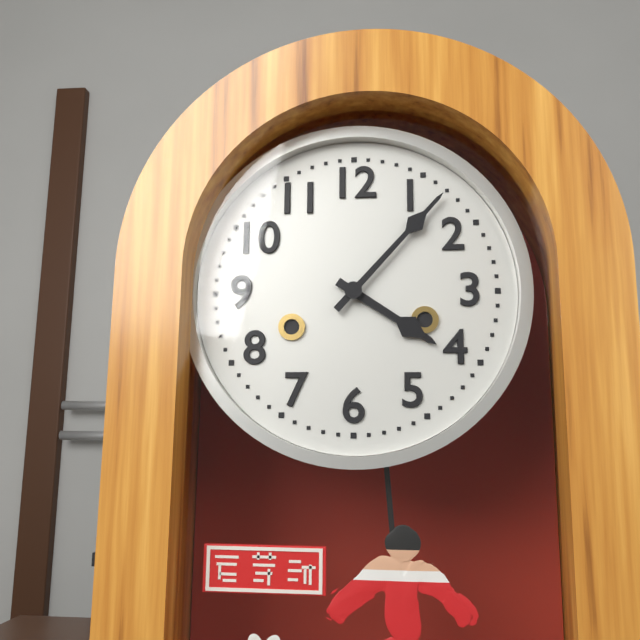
4:07
